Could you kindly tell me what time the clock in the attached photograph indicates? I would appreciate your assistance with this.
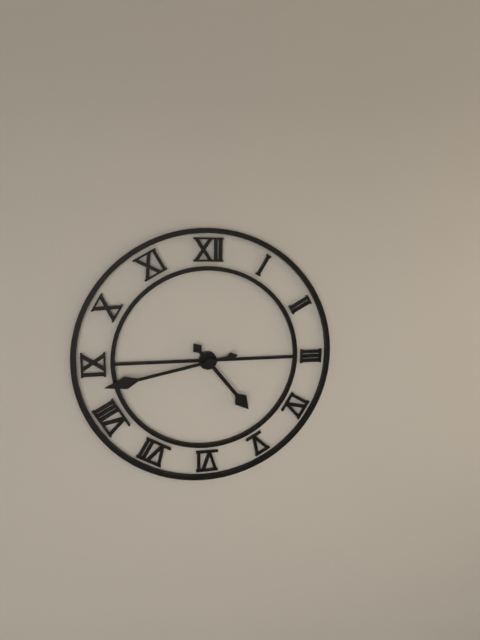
4:43
